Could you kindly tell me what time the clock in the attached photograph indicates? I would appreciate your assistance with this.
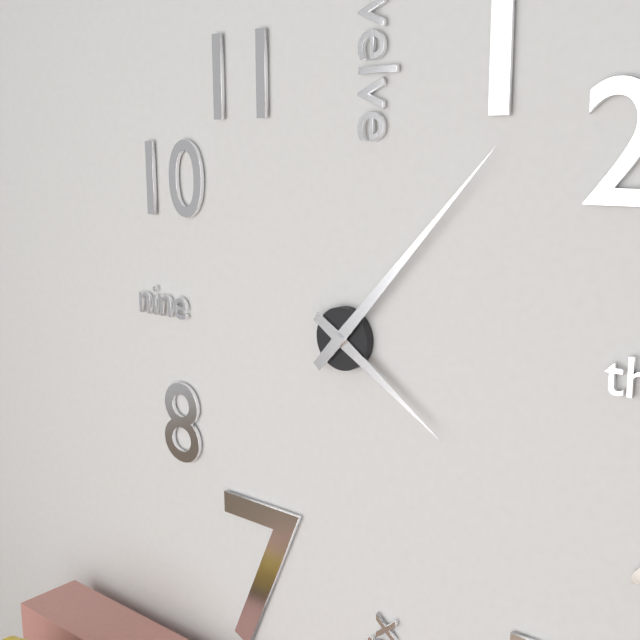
4:07
